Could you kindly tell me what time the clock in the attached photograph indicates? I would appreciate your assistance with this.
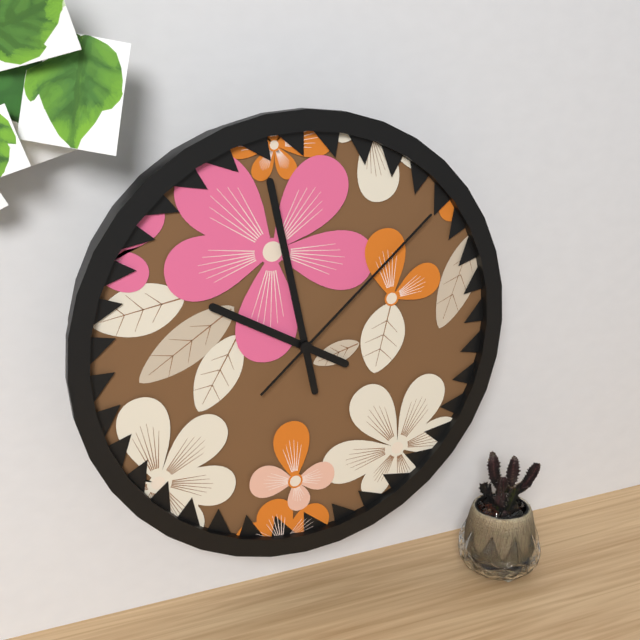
9:58:08
